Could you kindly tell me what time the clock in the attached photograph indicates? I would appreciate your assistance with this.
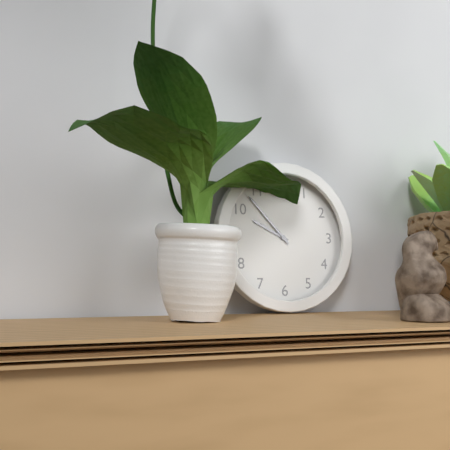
9:53
